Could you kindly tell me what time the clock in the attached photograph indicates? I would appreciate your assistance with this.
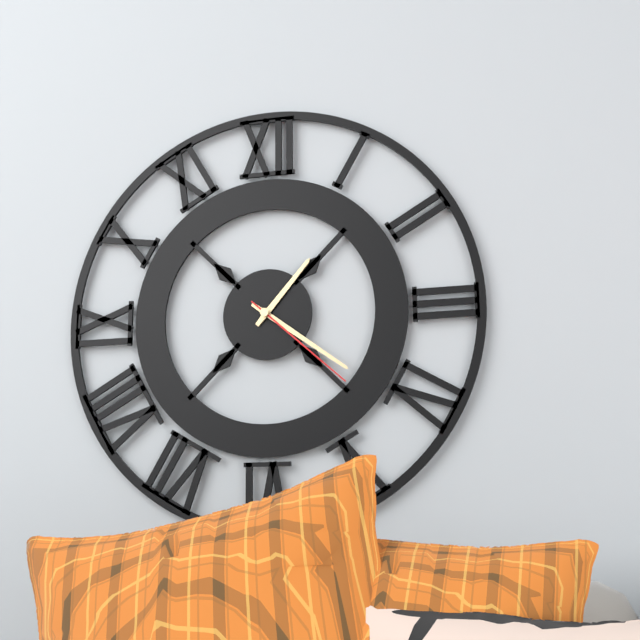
1:21:22
